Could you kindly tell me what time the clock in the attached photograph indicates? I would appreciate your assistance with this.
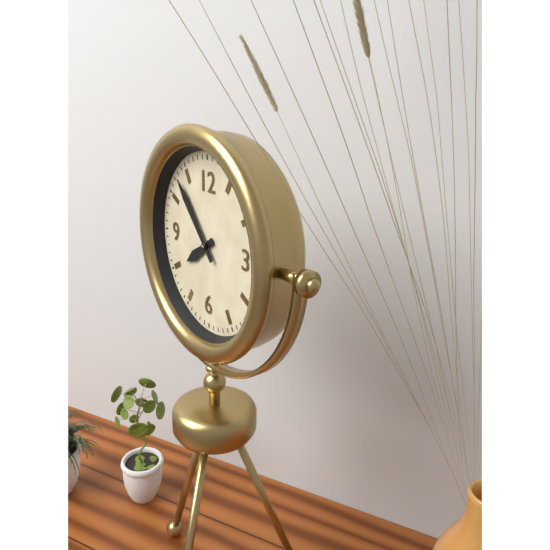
7:53
